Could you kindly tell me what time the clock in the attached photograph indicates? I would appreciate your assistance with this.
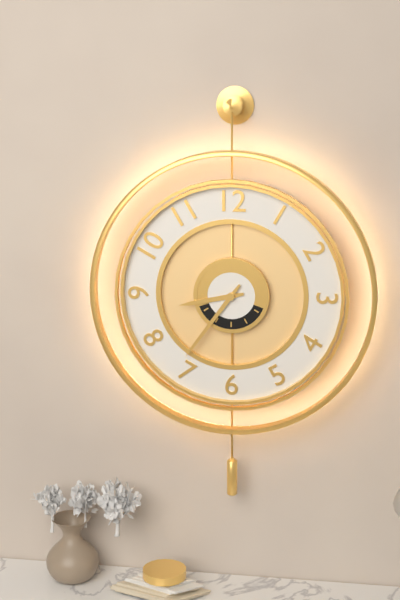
8:36
